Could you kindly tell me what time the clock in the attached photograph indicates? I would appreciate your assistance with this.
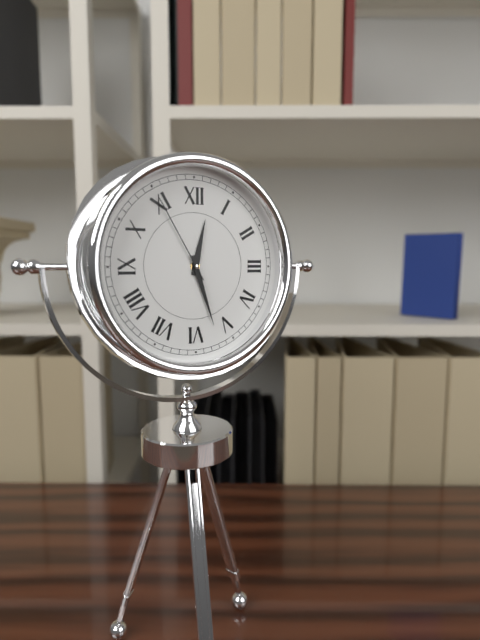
12:27:55
